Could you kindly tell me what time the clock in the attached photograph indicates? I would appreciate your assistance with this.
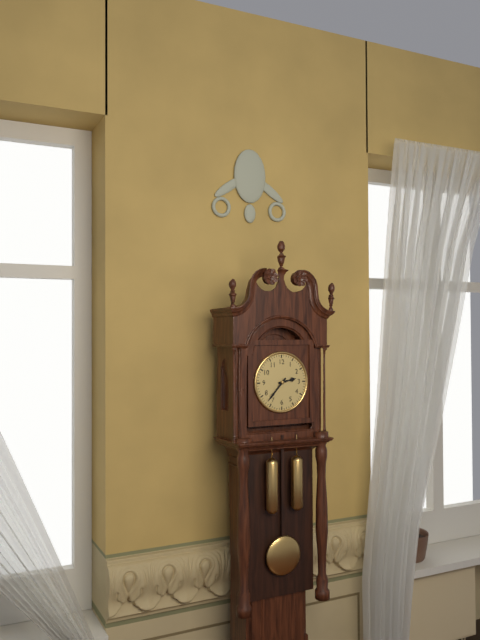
2:37
